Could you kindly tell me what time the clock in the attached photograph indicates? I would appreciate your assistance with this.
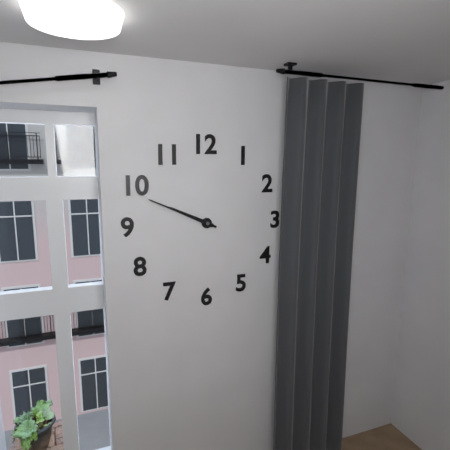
9:49
